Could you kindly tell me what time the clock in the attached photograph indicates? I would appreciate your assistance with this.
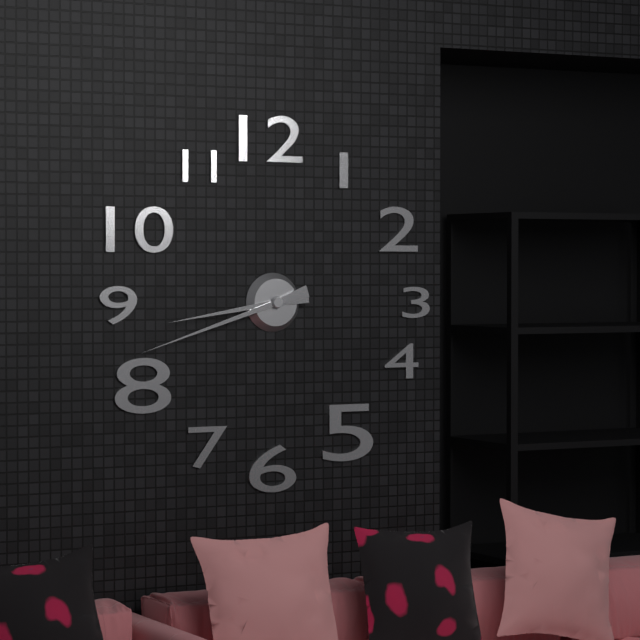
8:42
